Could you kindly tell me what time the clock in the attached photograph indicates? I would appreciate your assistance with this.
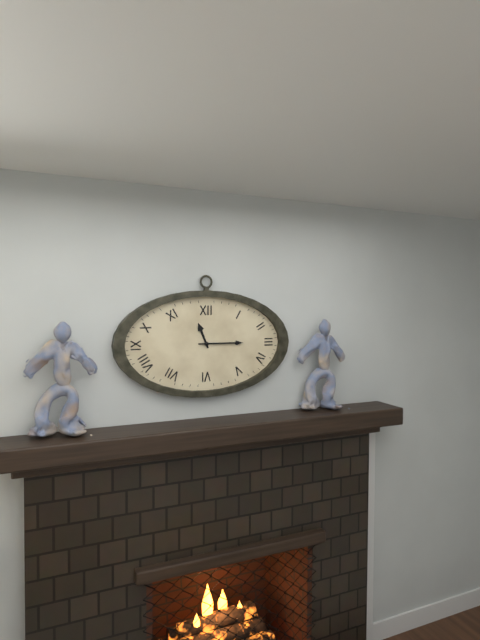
11:15
